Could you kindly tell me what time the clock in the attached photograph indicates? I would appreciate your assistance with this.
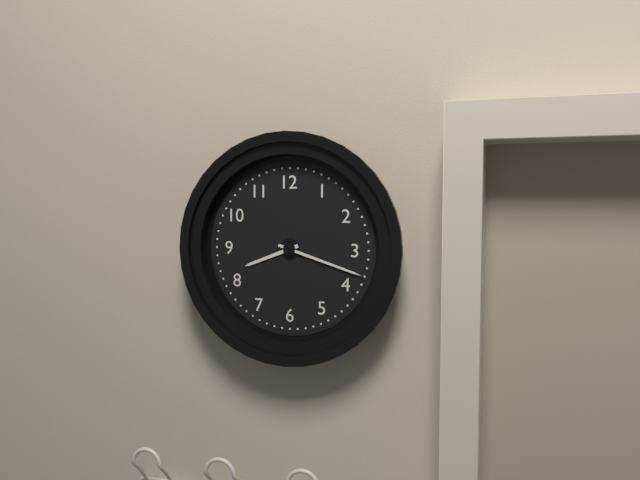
8:18
